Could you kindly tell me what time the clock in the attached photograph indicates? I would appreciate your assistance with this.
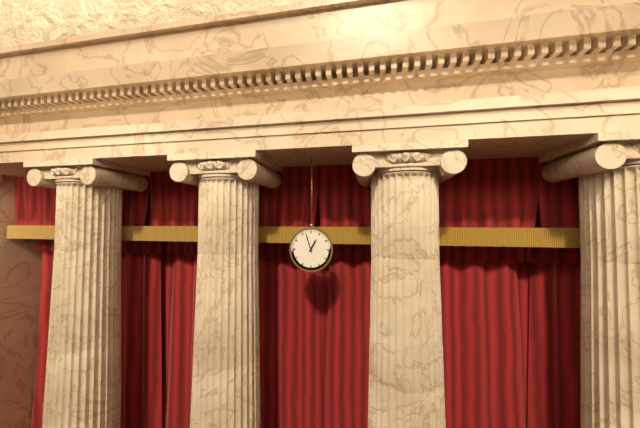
12:57
